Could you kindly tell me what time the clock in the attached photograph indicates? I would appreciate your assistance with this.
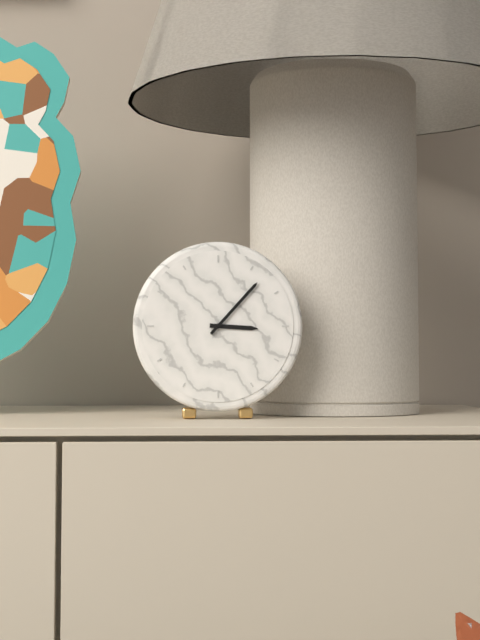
3:07
